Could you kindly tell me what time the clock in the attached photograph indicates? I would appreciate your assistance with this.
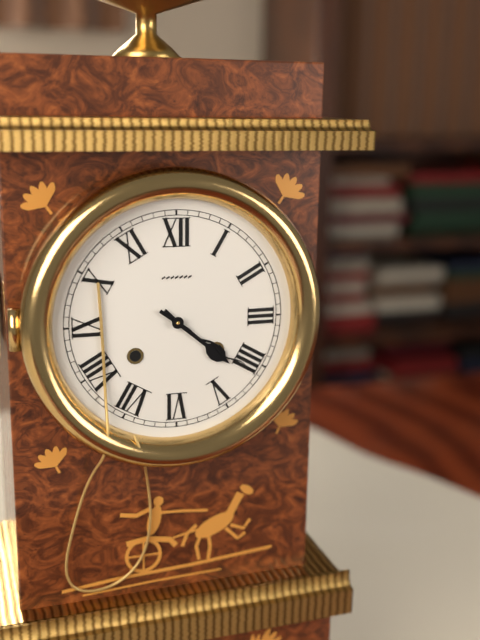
4:21
